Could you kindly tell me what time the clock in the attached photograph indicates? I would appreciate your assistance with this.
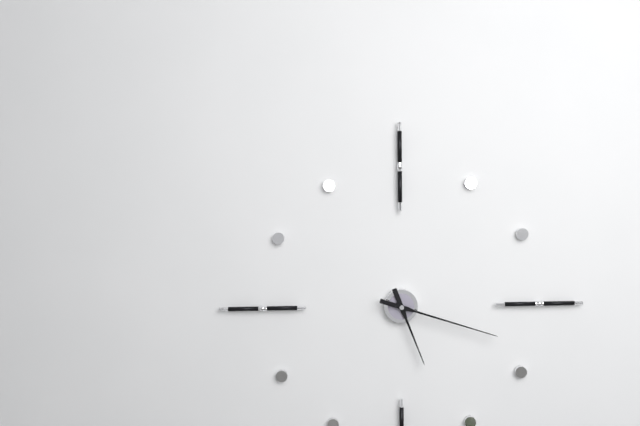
5:18
